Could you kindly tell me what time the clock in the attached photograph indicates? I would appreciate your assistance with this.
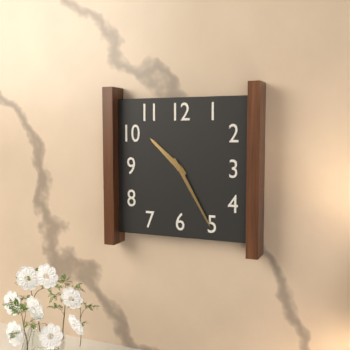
10:25
